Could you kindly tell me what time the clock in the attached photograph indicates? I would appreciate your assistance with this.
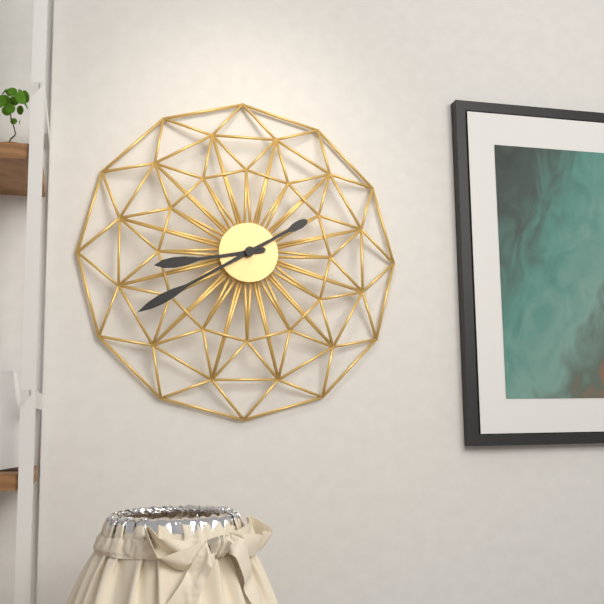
8:40
